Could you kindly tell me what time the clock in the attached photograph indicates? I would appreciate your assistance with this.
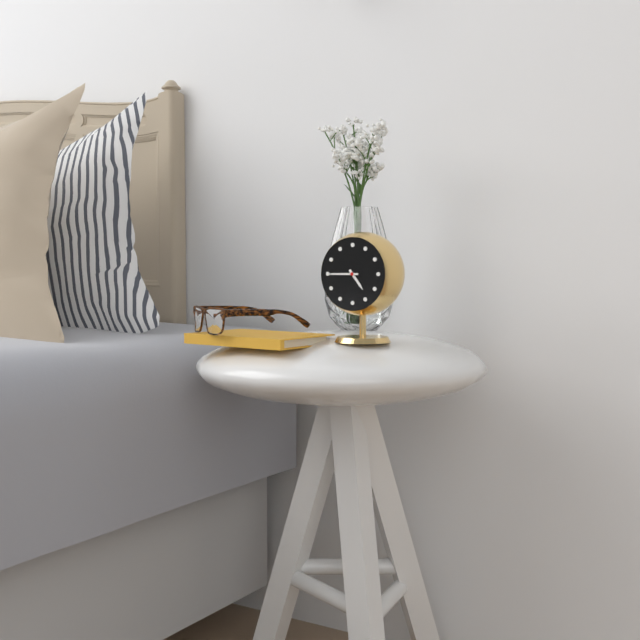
4:45
